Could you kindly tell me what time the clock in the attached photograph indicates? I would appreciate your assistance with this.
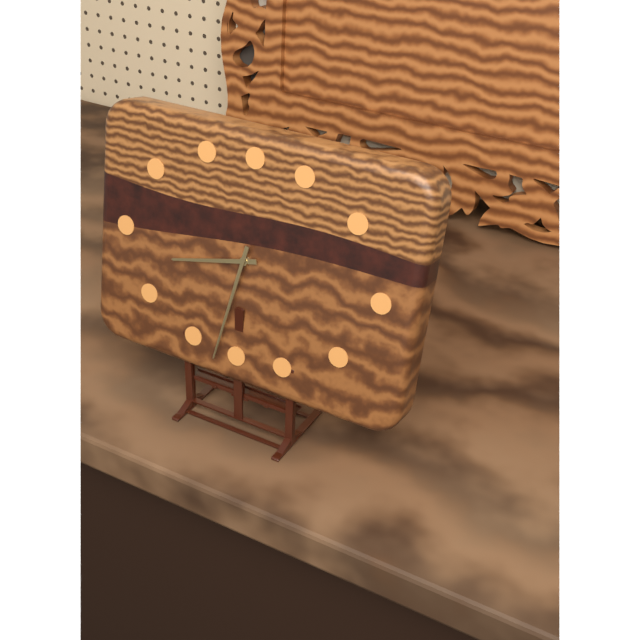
8:32
